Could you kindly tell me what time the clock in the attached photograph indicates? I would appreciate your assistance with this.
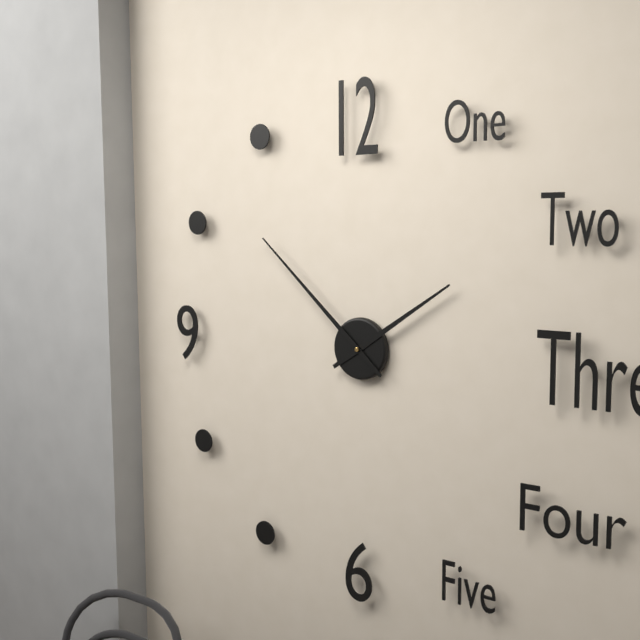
1:52
